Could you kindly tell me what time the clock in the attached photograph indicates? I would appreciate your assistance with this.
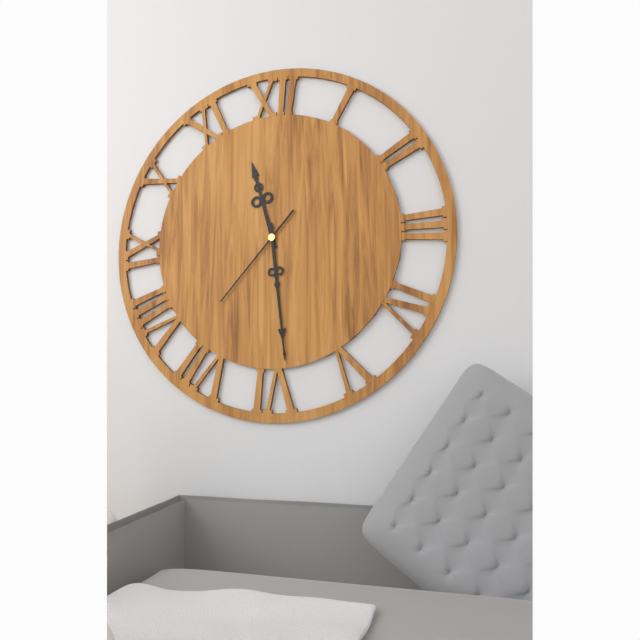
11:29:37
